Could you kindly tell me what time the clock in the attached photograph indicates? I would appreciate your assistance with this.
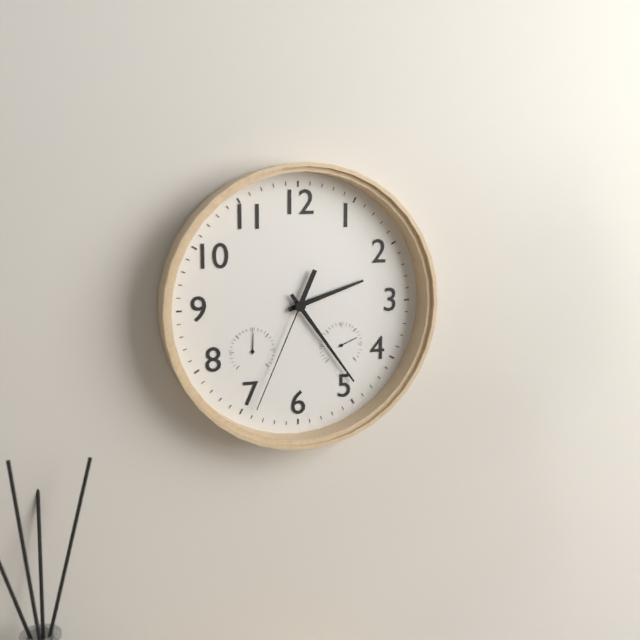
2:24:34
